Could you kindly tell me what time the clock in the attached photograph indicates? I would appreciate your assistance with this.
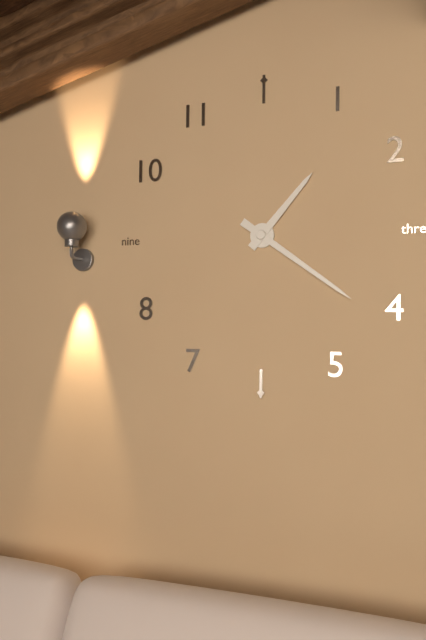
1:21
